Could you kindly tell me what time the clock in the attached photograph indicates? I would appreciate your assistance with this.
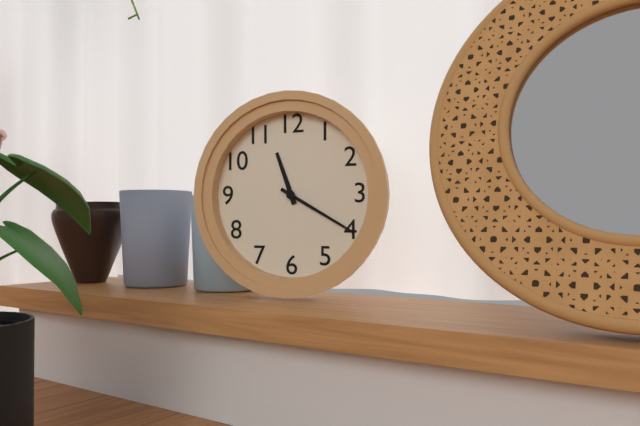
11:20
